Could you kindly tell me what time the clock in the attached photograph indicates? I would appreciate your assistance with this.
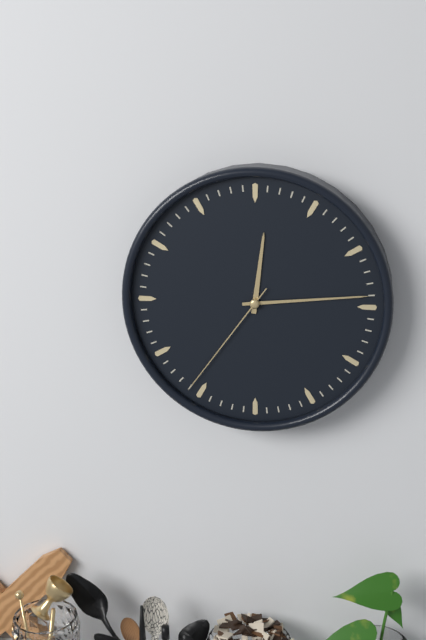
12:14:36
